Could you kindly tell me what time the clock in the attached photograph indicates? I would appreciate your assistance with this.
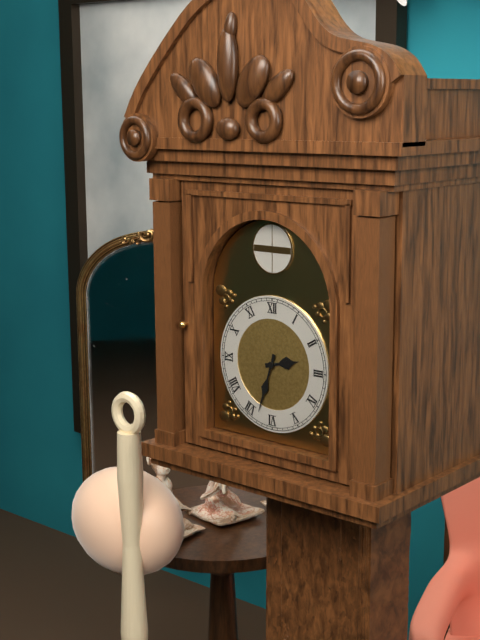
2:33
